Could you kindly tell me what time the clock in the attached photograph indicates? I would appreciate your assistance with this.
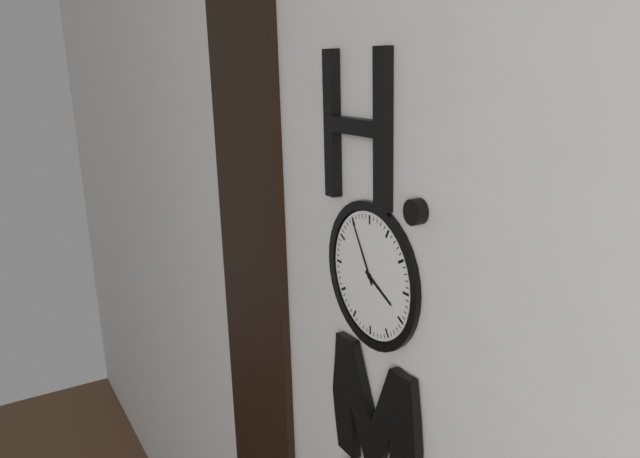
3:55
